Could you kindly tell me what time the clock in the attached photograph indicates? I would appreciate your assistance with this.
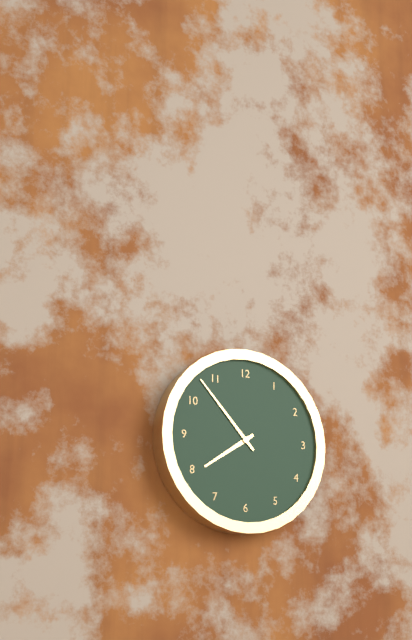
7:53
